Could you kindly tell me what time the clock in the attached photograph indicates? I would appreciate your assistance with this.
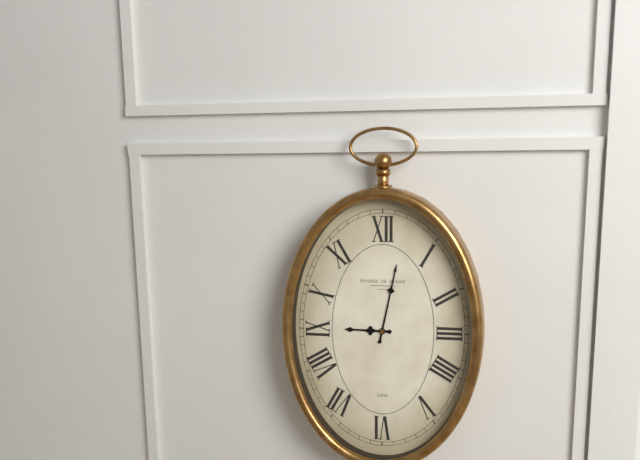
9:02
